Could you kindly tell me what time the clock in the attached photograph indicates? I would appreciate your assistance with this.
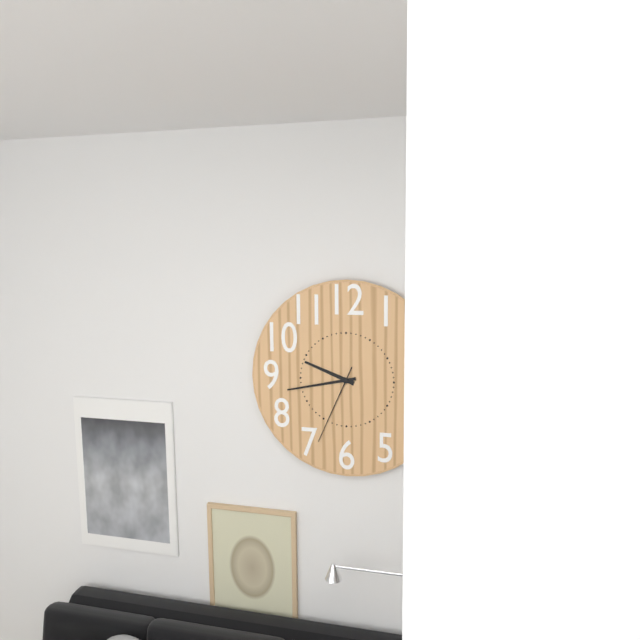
9:43:34
